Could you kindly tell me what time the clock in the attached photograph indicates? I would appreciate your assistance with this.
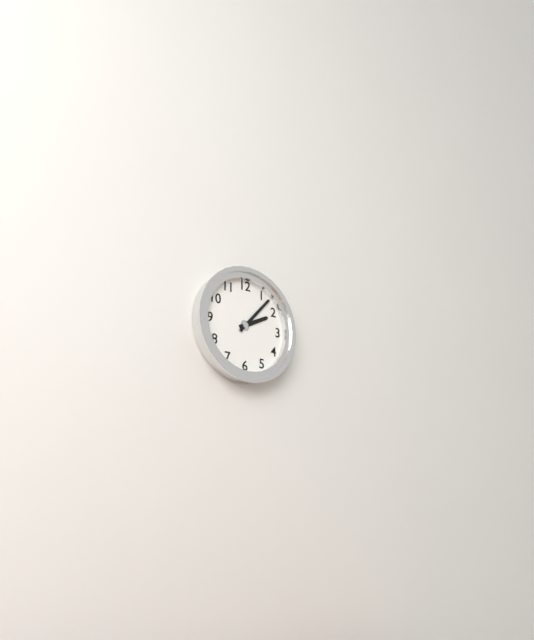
2:07
